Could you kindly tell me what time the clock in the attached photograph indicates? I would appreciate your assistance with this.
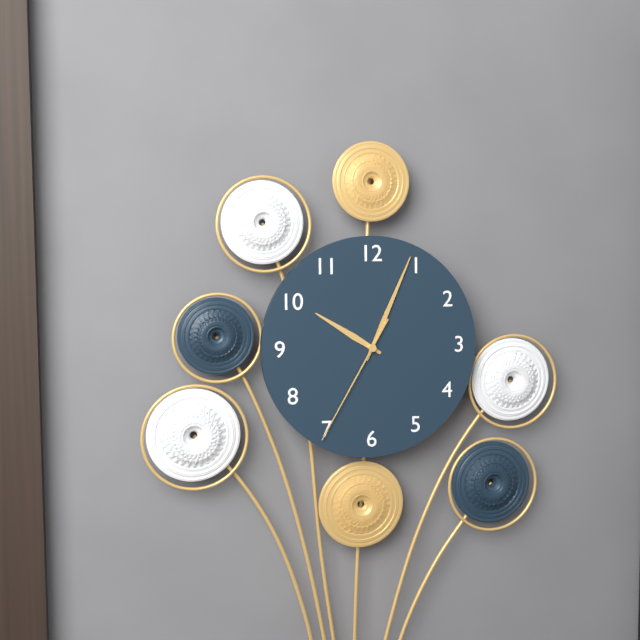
10:04:35
